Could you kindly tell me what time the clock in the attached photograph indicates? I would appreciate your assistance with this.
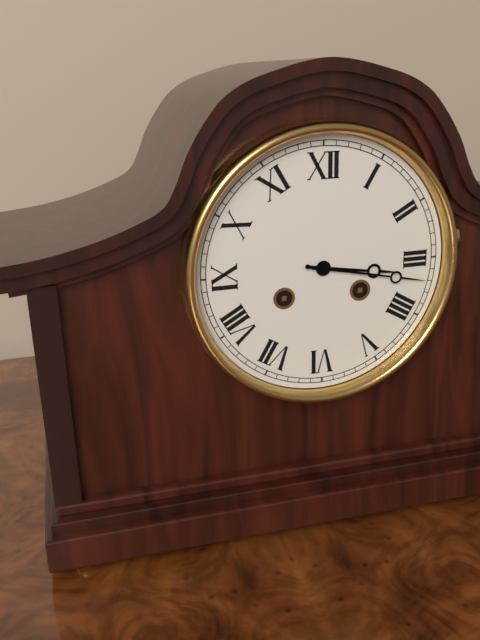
3:17
